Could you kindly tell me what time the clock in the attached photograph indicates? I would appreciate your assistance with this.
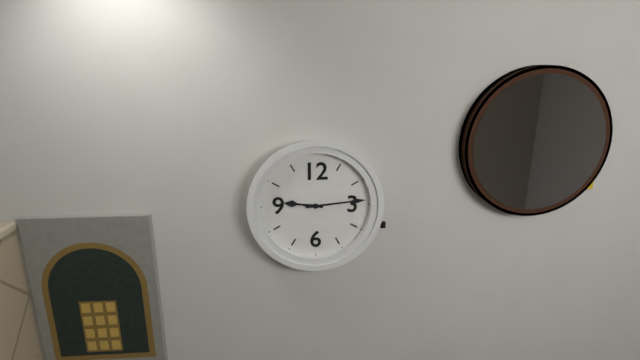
9:14
